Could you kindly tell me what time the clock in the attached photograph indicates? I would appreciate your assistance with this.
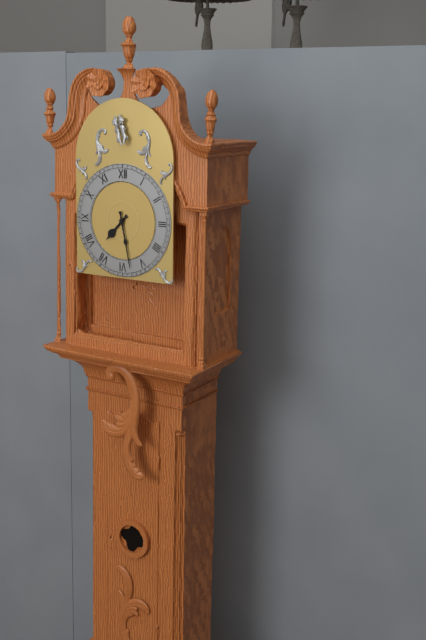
7:28
